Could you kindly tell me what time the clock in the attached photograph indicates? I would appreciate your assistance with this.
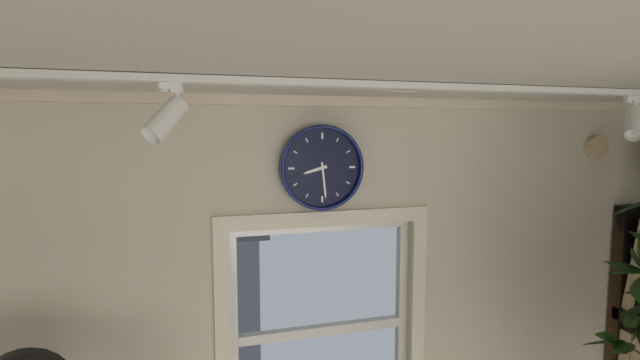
8:29
